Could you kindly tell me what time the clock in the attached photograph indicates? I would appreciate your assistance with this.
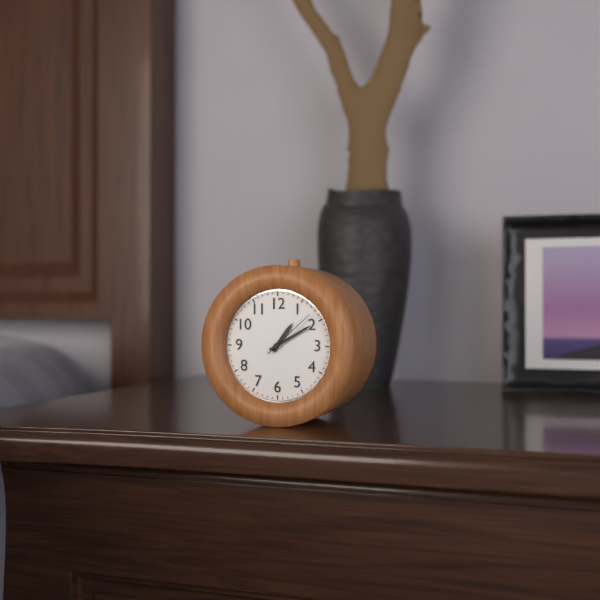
1:10:08
